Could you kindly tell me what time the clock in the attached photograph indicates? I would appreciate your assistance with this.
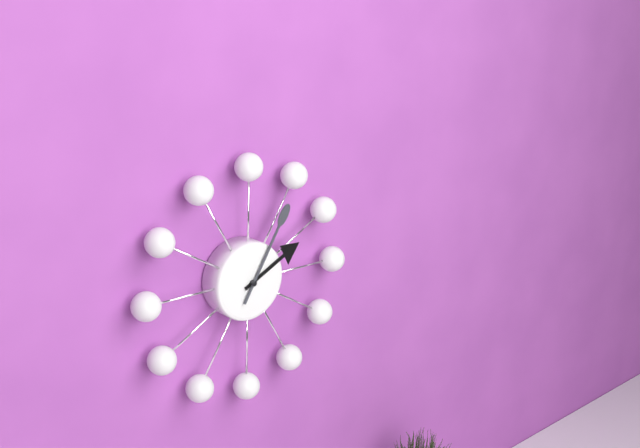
2:05
